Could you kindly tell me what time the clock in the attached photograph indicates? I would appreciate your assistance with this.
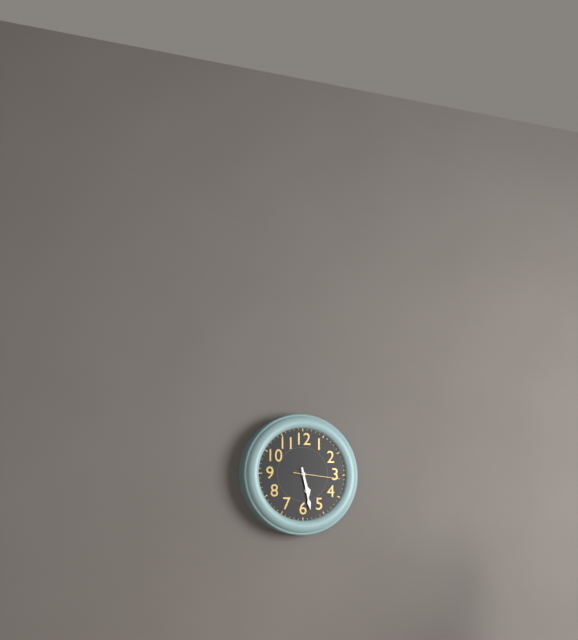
5:28
